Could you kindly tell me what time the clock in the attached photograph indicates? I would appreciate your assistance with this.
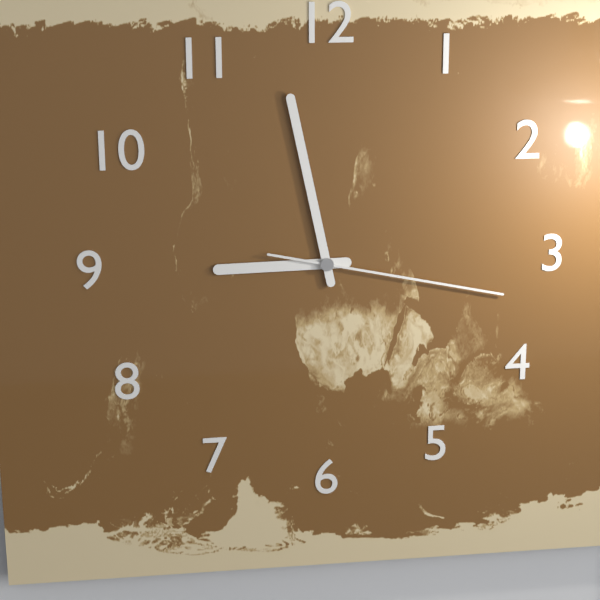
8:58:17
